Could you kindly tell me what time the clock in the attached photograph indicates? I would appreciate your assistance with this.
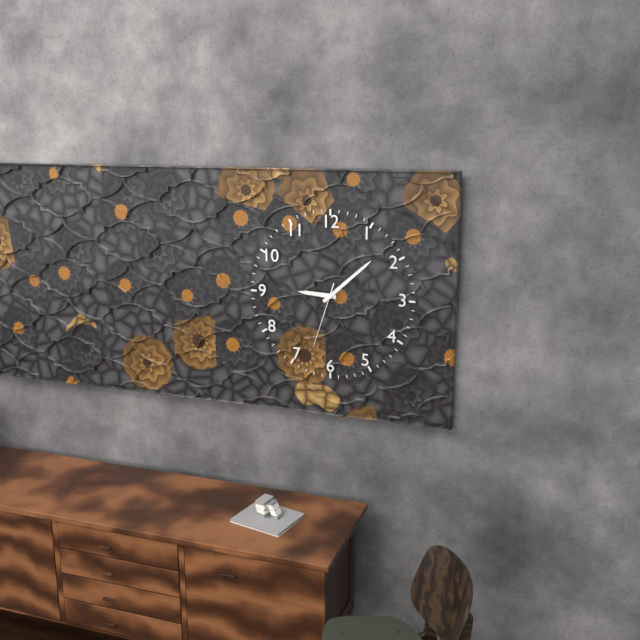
9:08:33
